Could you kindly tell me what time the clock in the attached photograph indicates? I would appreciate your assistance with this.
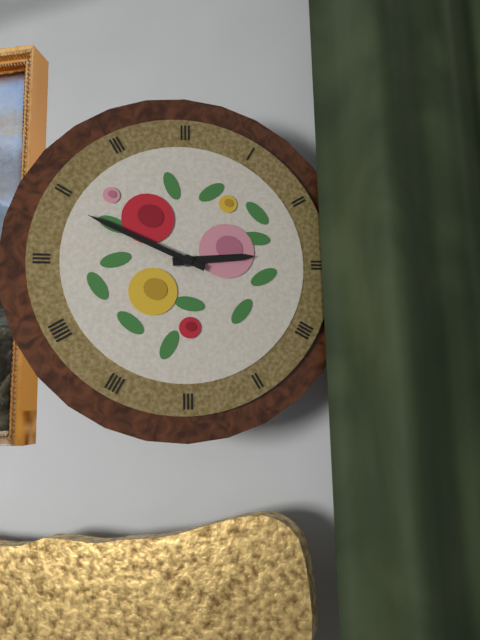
2:49
